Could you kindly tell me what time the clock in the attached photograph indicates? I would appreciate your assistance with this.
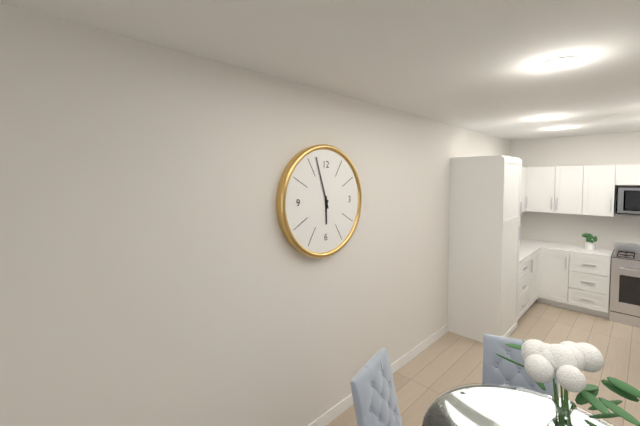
5:57
